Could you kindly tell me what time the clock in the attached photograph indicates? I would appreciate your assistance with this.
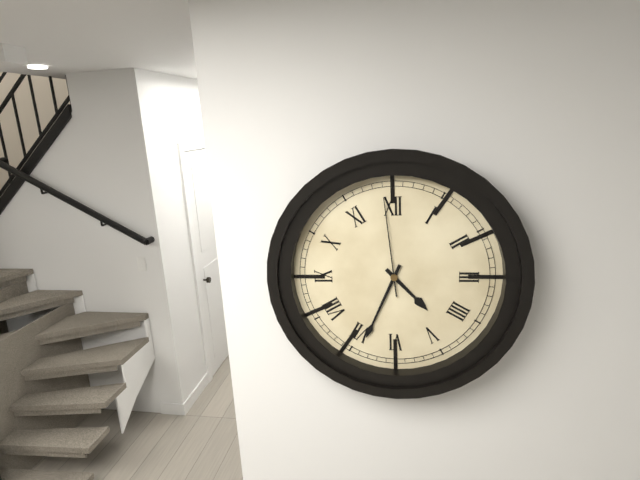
4:34:59
